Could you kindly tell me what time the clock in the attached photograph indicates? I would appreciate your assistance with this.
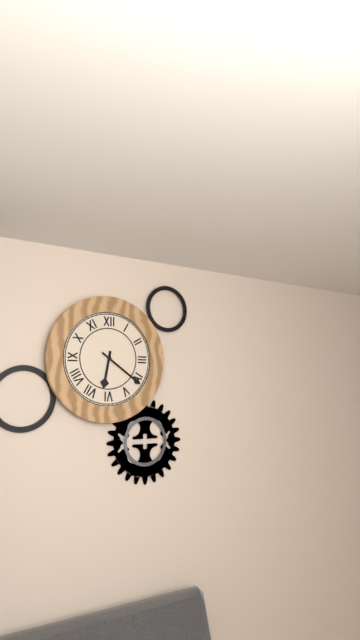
6:21
